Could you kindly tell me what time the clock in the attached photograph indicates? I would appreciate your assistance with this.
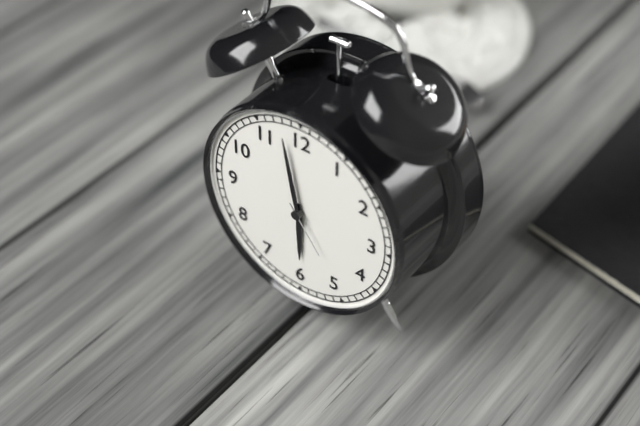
5:58:24
